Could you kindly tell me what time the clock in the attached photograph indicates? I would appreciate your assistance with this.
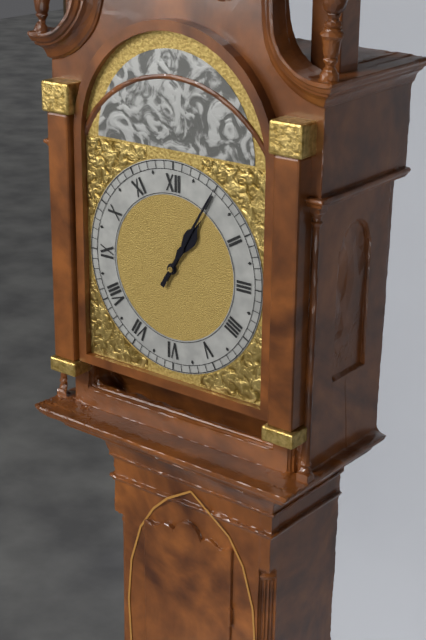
1:05
